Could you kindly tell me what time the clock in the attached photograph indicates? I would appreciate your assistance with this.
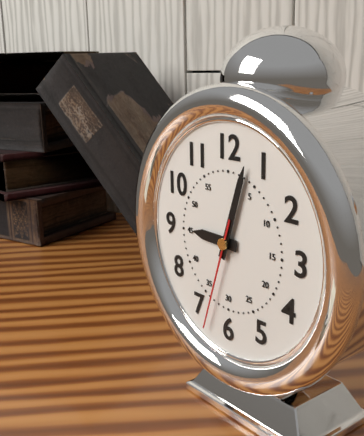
9:03:33
